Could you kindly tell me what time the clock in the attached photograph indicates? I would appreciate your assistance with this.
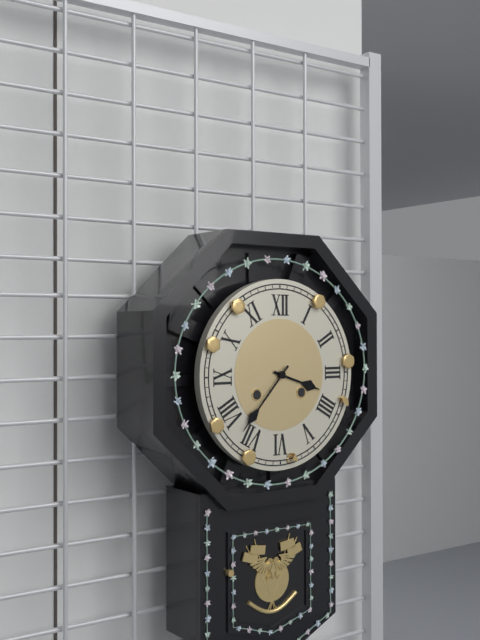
3:37
